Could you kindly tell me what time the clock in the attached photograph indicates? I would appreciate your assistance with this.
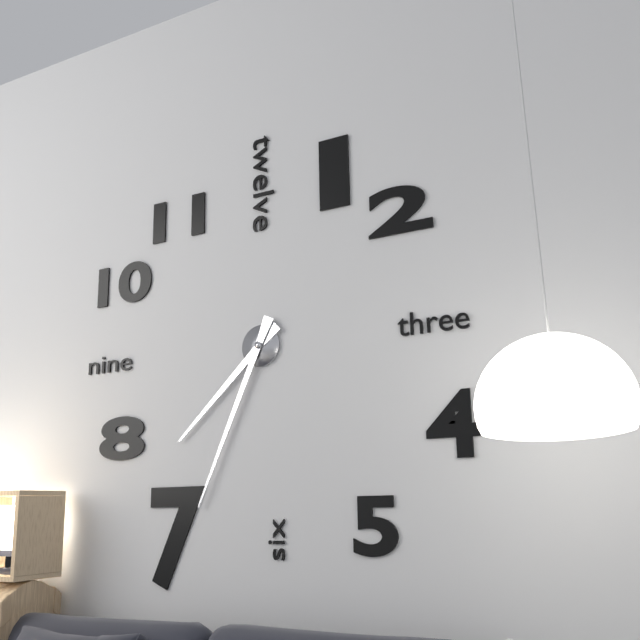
7:34
